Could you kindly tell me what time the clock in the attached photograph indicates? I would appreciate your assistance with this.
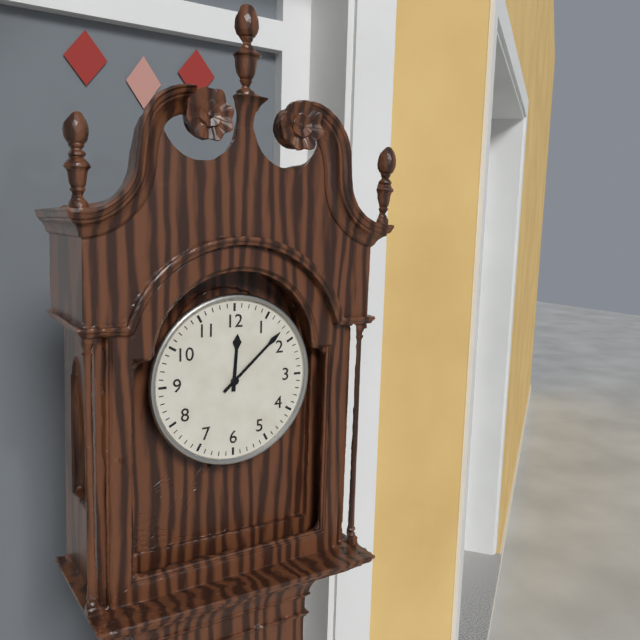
12:08
